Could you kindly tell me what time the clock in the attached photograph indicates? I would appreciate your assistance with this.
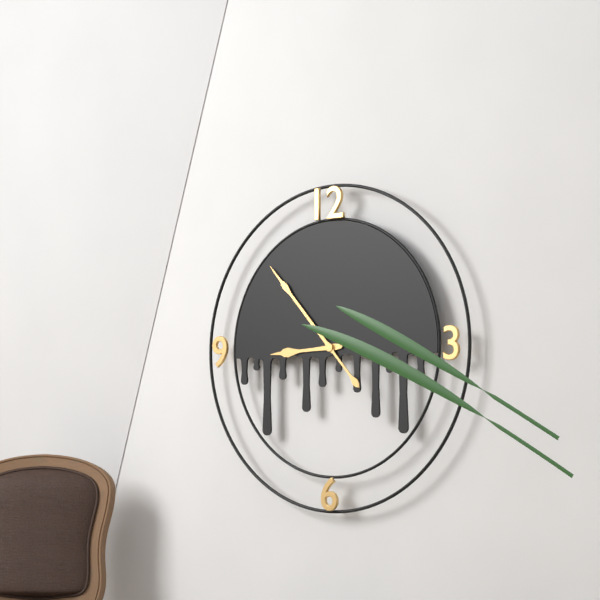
8:53
